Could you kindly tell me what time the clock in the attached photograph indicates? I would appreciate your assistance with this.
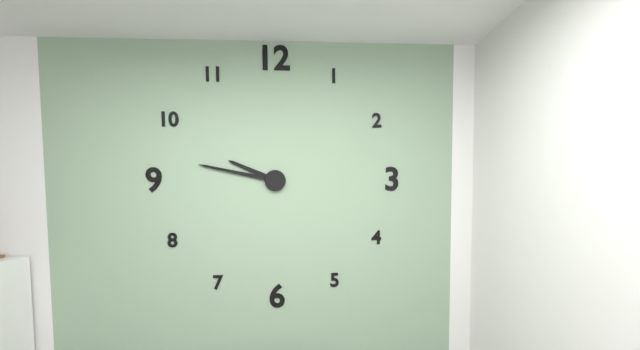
9:47
